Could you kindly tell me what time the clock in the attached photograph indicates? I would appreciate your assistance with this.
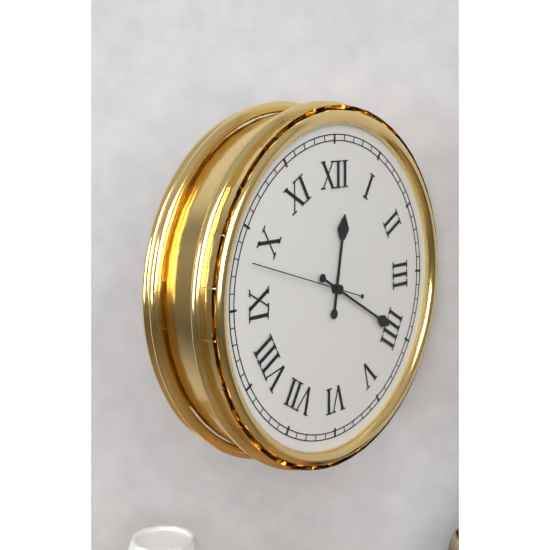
12:20:48
